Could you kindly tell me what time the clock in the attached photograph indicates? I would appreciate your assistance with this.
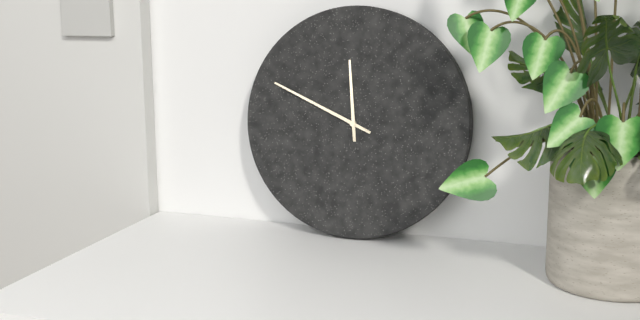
11:49
